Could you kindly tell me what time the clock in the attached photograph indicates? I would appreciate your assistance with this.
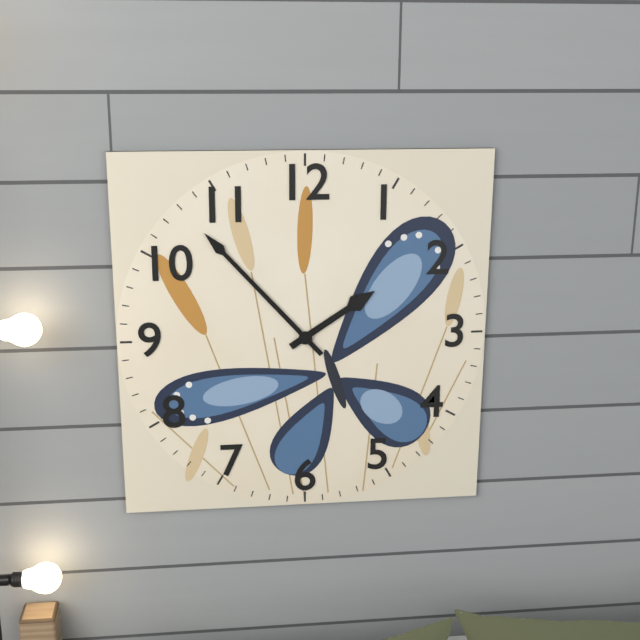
1:53
